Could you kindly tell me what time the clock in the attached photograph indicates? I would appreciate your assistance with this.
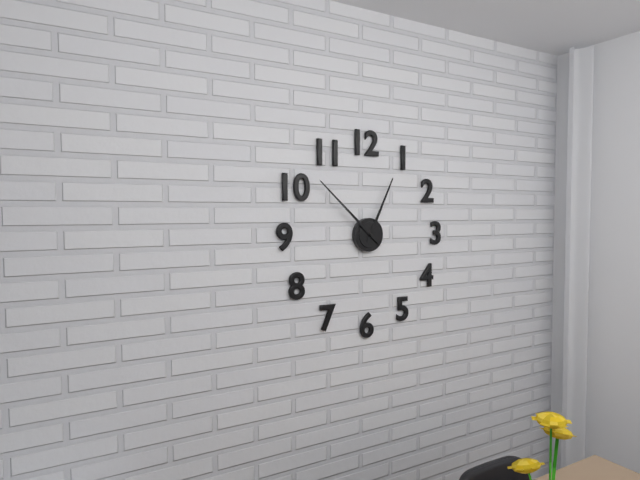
12:52
